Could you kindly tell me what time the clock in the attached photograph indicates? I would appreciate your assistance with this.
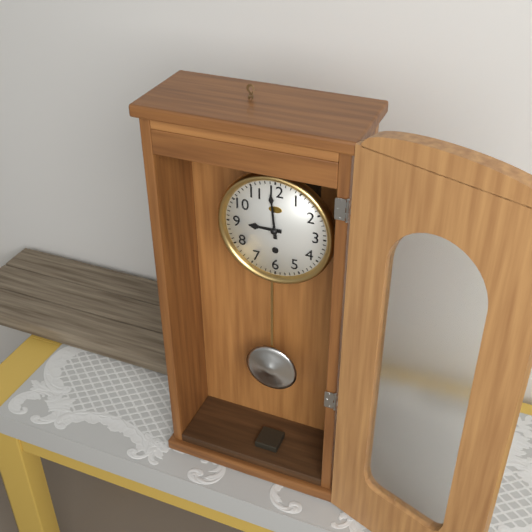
8:59
